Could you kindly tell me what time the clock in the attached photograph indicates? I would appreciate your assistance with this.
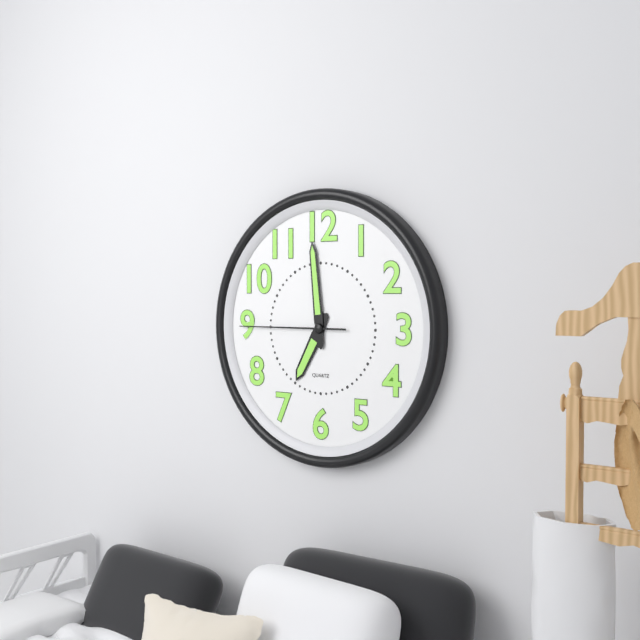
6:59:45
